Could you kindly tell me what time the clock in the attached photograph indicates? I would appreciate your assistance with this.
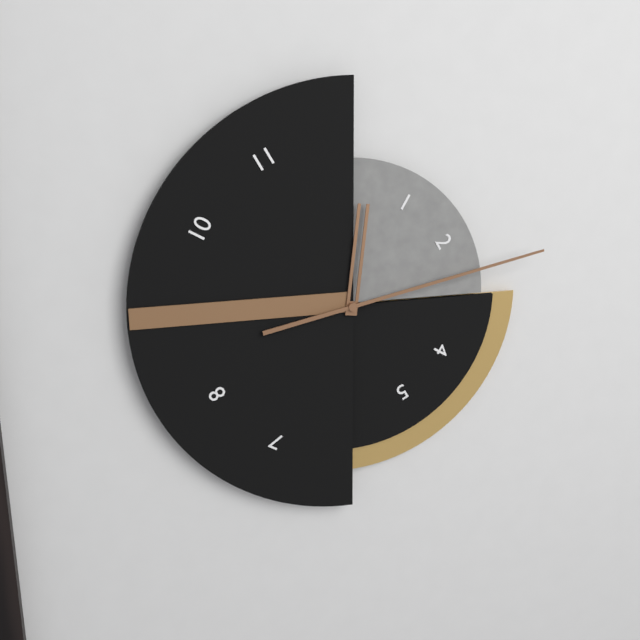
12:13
